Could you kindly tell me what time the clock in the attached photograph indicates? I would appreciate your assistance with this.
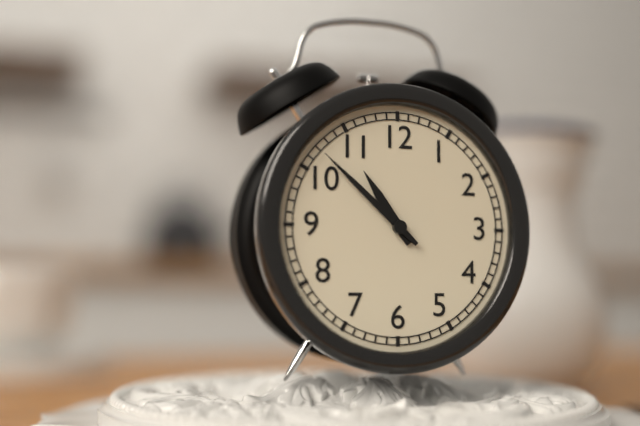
10:52
